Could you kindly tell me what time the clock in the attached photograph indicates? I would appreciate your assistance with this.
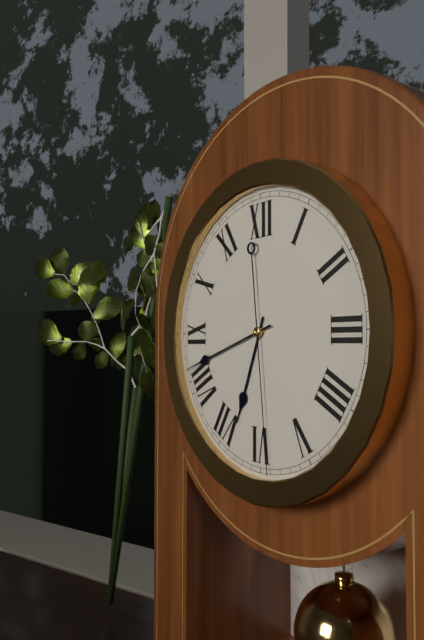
6:42:29
